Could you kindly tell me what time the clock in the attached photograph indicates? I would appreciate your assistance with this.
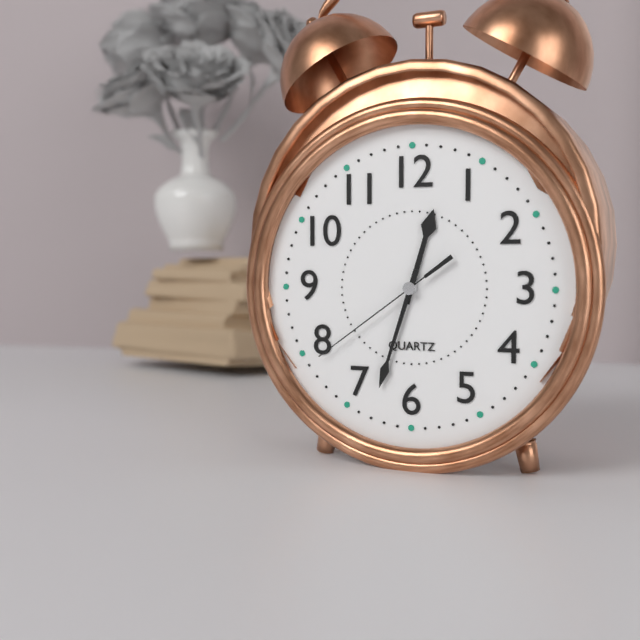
12:33:39
